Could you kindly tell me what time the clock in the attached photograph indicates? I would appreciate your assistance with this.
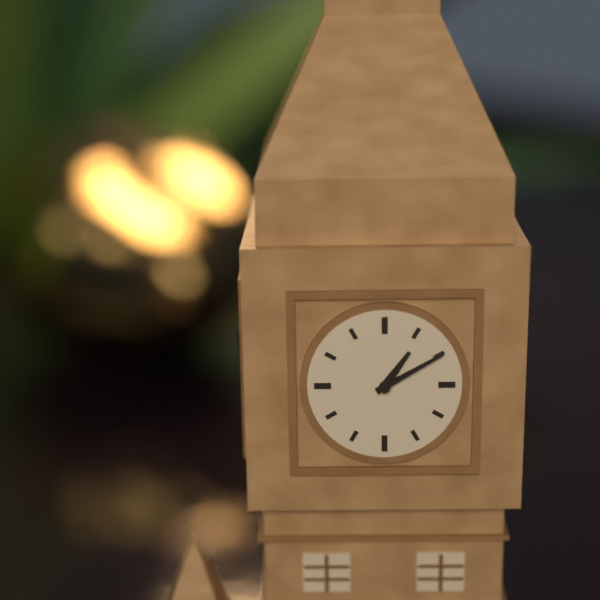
1:10
